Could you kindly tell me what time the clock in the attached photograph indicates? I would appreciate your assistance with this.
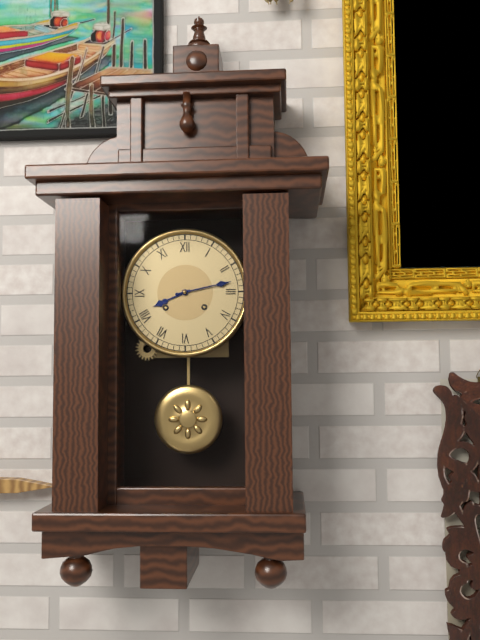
8:13
